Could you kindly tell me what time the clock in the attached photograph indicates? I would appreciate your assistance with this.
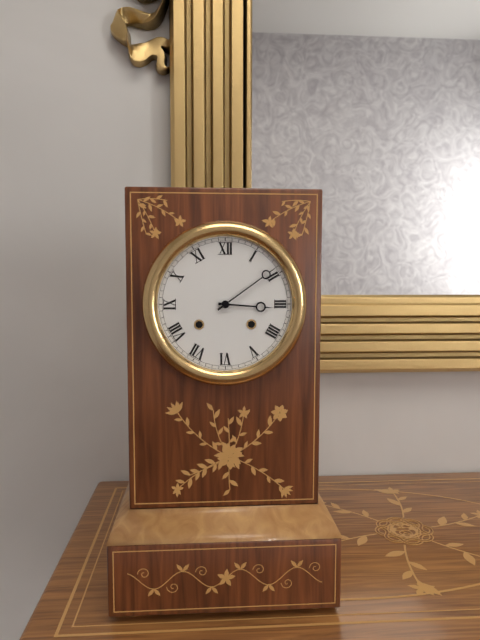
3:09
